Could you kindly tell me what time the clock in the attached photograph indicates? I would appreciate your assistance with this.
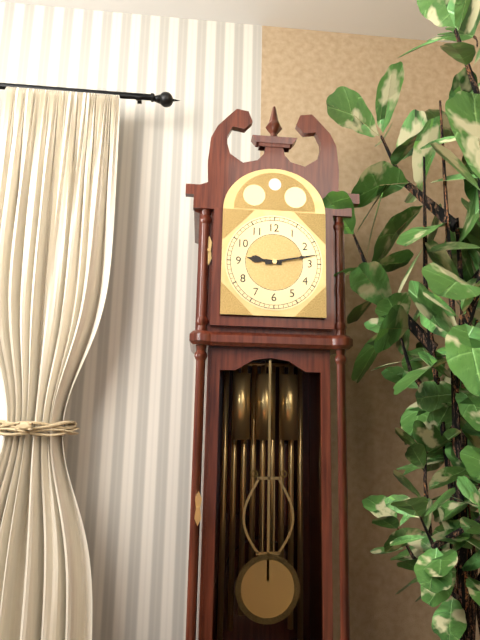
9:13
